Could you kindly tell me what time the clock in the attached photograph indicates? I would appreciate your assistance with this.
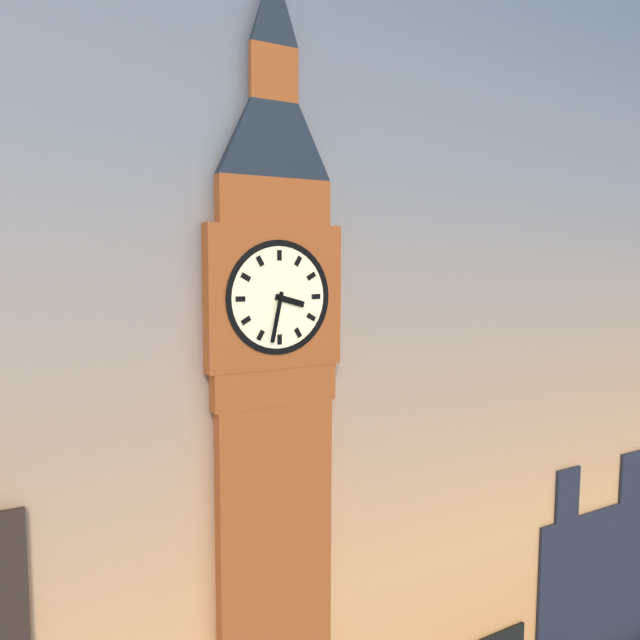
3:32
